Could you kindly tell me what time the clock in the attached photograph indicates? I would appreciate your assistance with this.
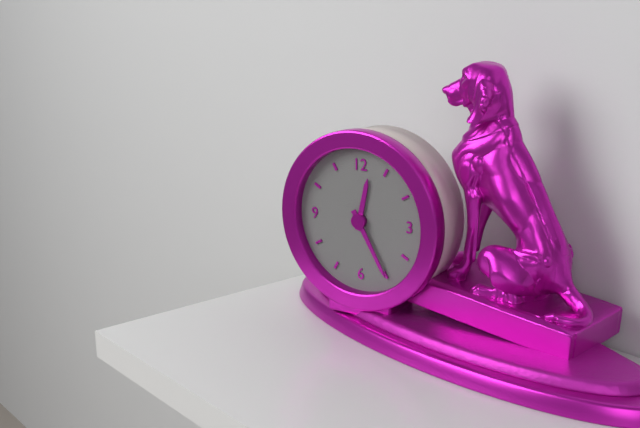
12:25
